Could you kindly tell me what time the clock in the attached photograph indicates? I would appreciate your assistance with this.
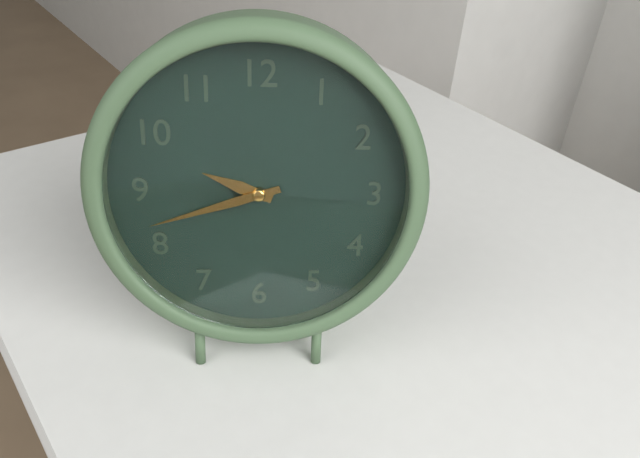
9:42
